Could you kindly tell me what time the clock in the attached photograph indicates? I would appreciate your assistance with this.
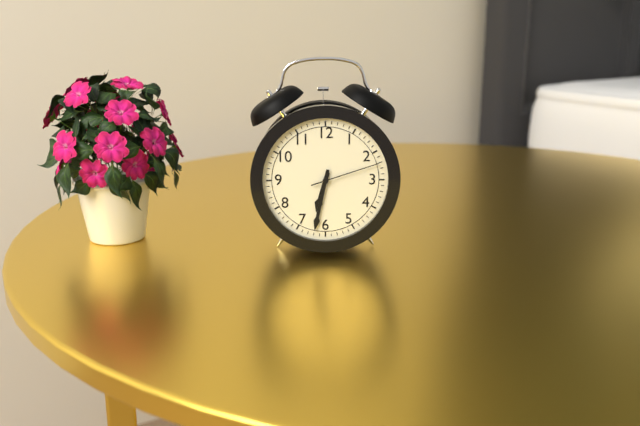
6:32:12
